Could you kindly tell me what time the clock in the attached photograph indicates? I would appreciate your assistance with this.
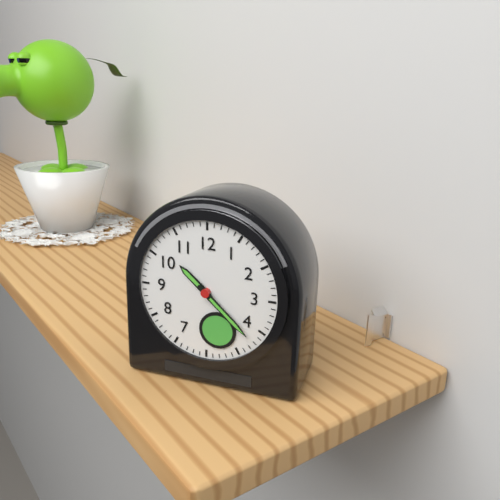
10:22
